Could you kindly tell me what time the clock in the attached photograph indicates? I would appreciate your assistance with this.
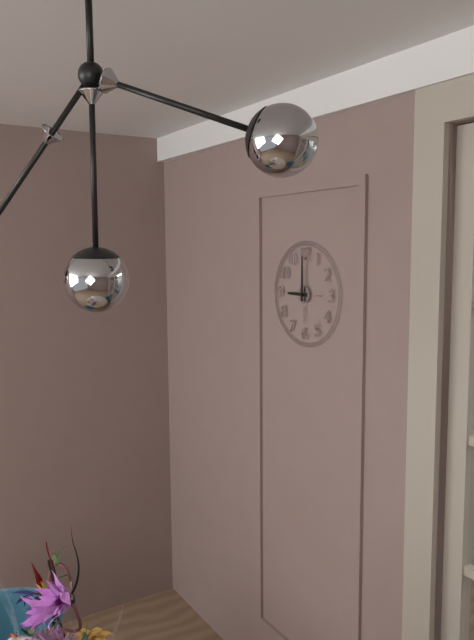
9:00
